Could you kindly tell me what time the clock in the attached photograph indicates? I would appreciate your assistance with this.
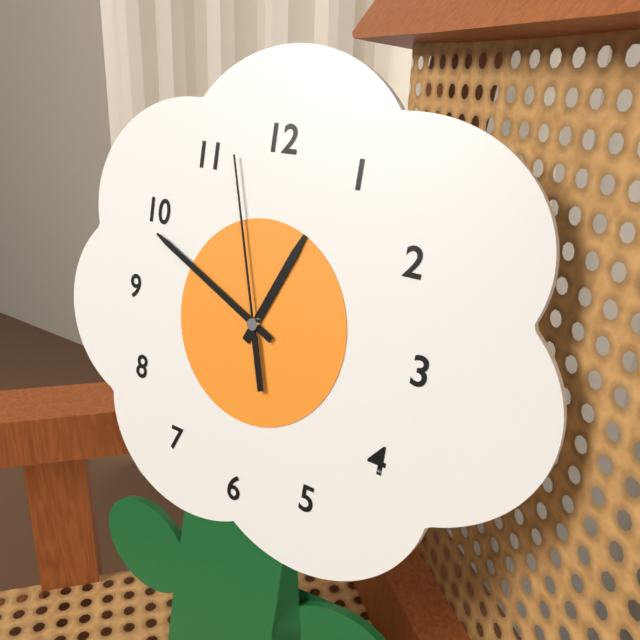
12:49:57
